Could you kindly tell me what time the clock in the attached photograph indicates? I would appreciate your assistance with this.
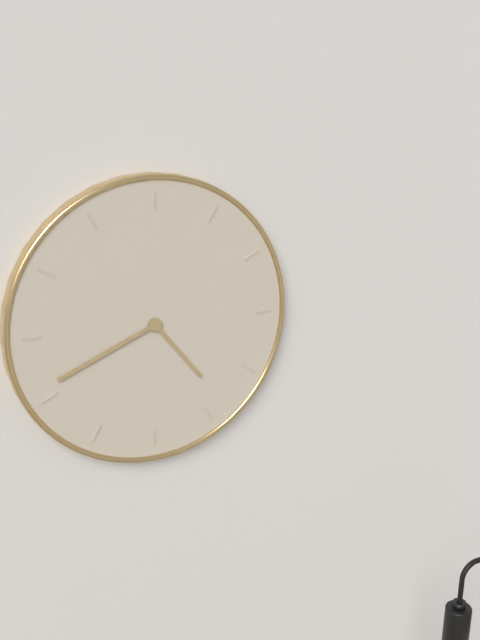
4:41
